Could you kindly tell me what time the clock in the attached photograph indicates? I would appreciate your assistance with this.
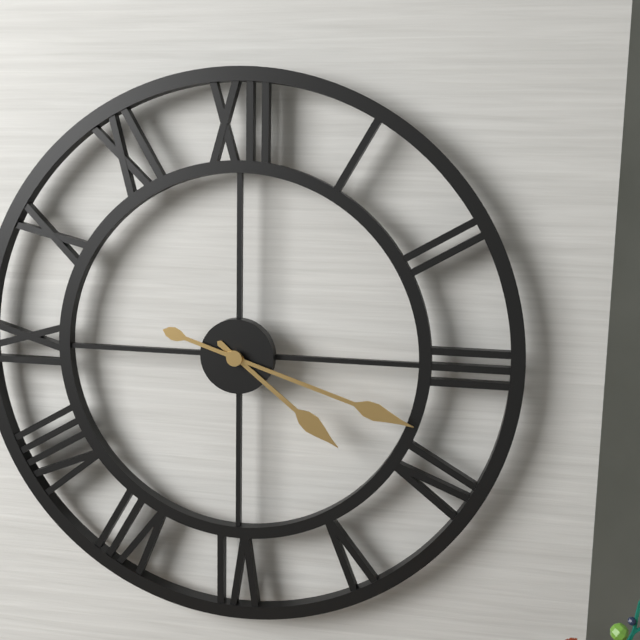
4:18
